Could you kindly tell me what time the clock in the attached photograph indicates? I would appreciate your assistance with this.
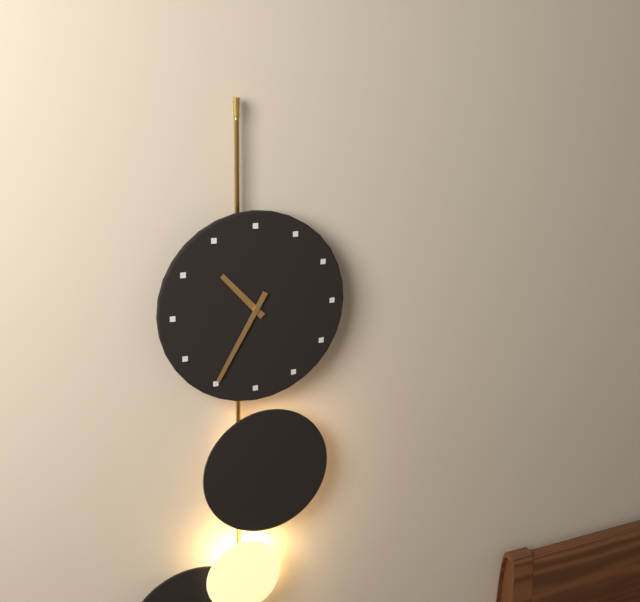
10:35
